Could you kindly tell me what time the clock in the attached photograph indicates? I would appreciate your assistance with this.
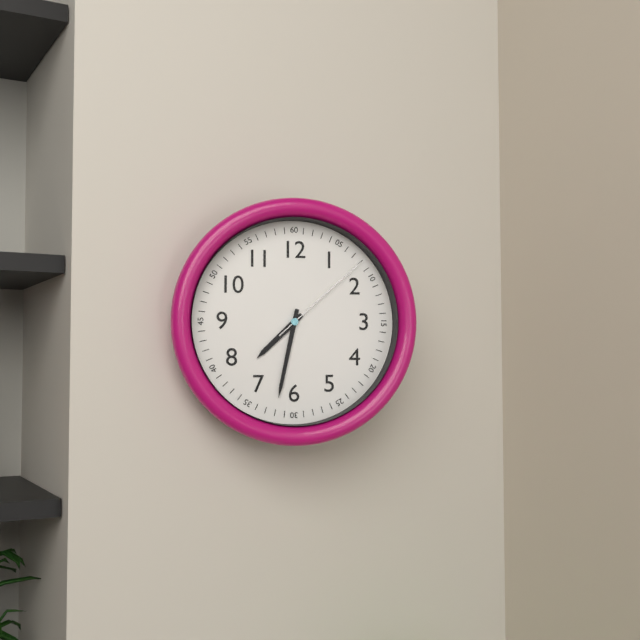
7:32:08
